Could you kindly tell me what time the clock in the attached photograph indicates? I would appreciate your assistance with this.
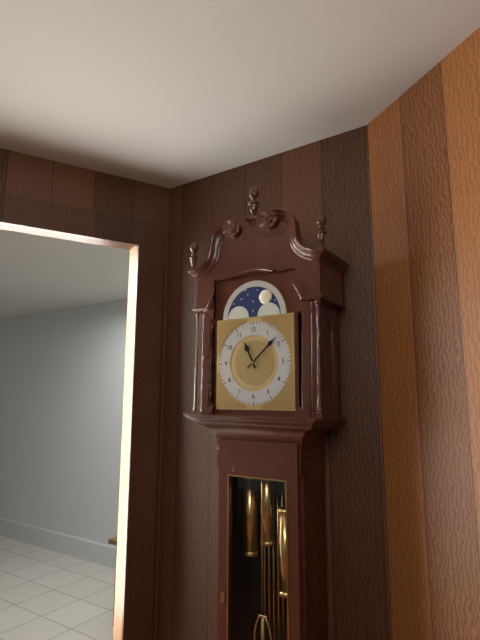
11:08
